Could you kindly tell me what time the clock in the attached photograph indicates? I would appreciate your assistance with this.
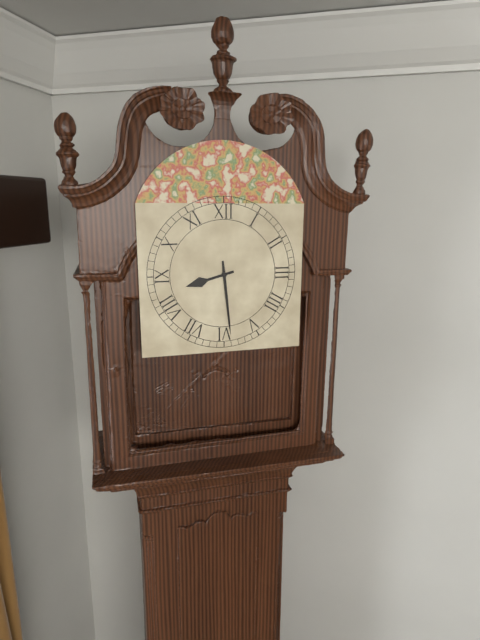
8:29
